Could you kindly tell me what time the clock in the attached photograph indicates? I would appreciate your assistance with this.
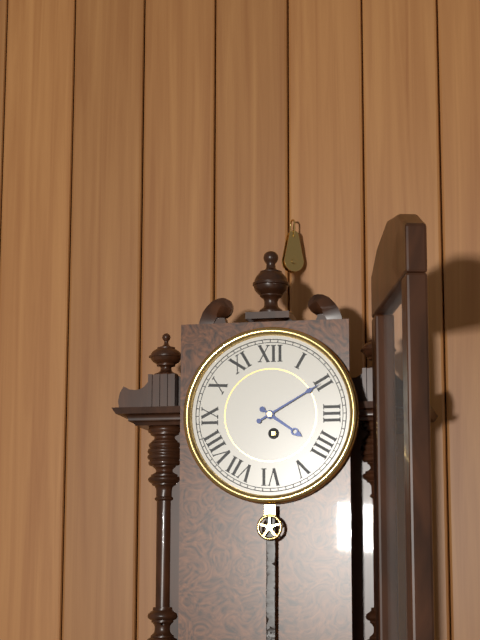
4:10
